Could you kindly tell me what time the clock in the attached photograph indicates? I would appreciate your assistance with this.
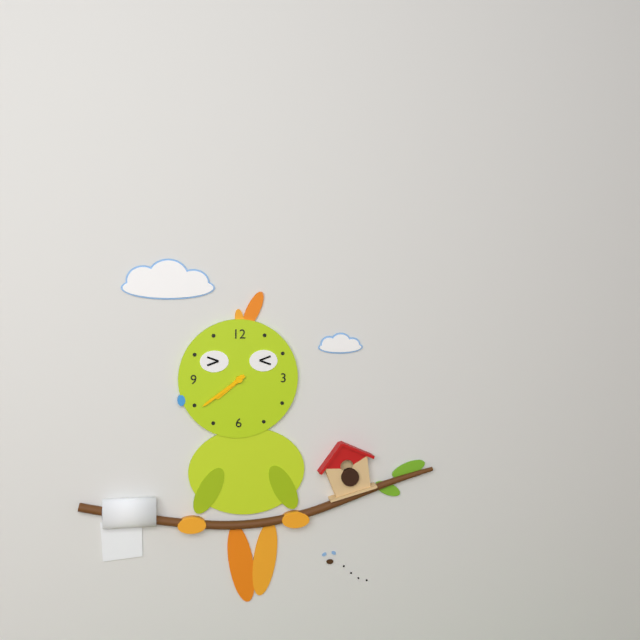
7:39
